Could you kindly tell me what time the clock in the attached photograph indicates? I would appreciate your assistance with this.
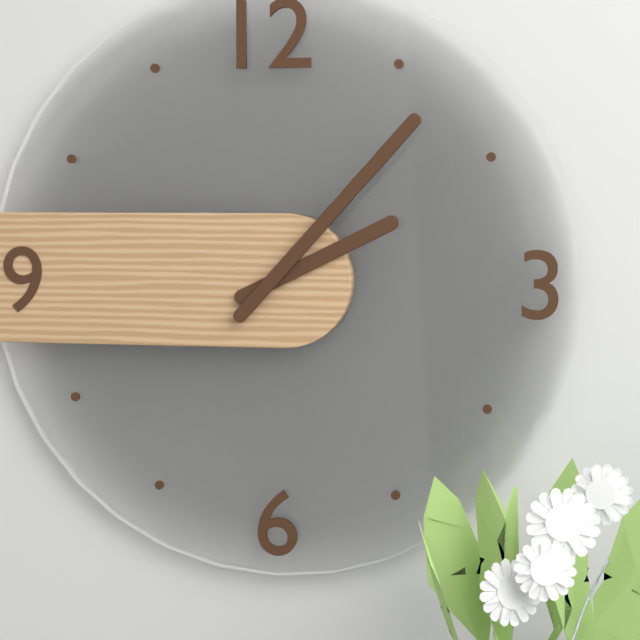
2:07
